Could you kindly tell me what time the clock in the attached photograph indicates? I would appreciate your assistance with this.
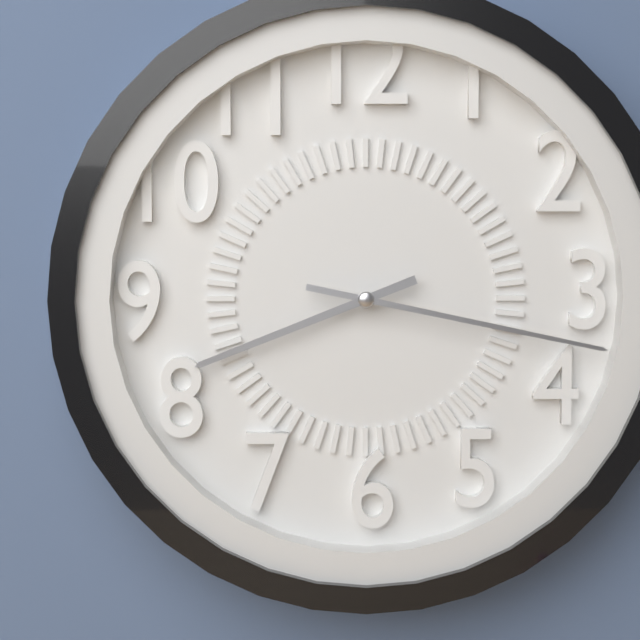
8:17
